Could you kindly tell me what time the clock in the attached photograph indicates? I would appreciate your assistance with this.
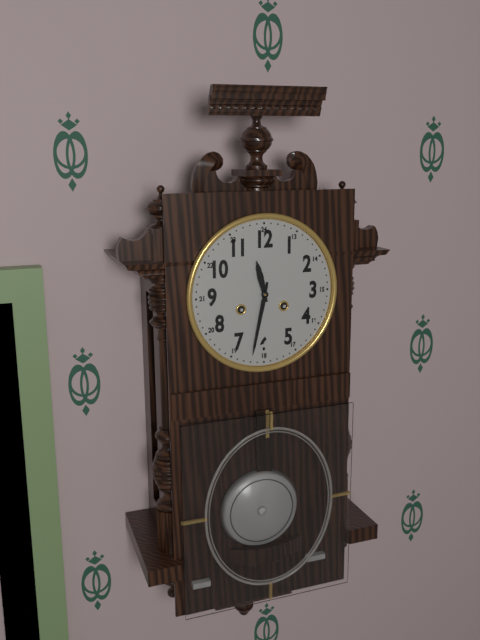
11:32
